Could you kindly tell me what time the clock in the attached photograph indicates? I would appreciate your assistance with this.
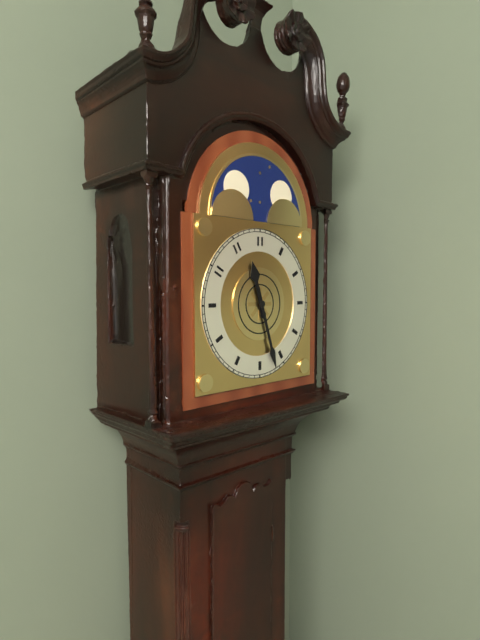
11:27
